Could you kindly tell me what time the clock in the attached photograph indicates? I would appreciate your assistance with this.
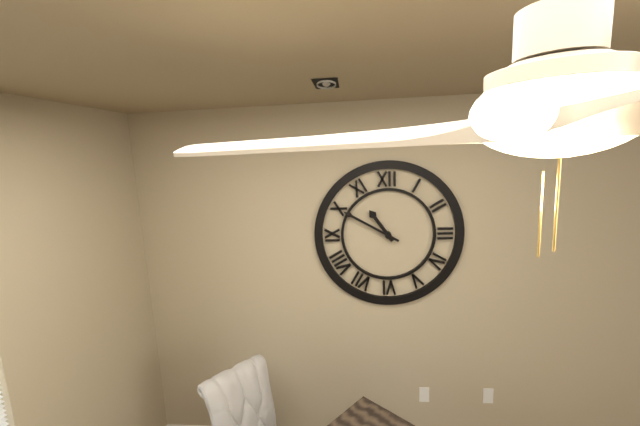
10:50
